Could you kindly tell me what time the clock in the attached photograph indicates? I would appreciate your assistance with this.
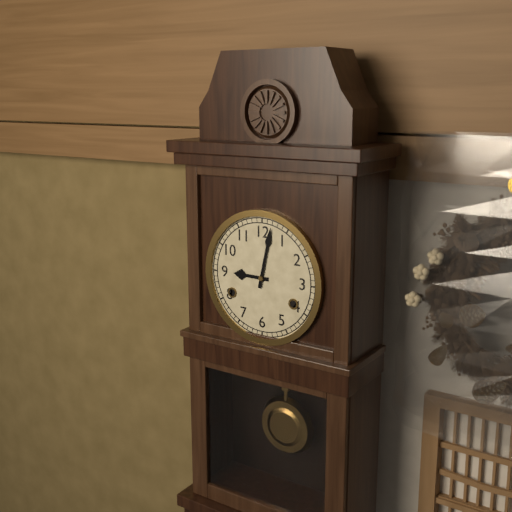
9:02
